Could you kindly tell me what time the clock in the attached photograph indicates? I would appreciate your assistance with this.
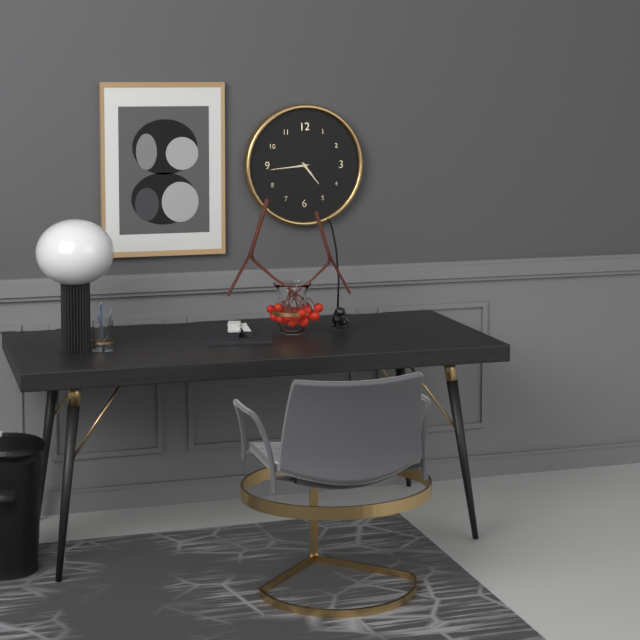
4:44
